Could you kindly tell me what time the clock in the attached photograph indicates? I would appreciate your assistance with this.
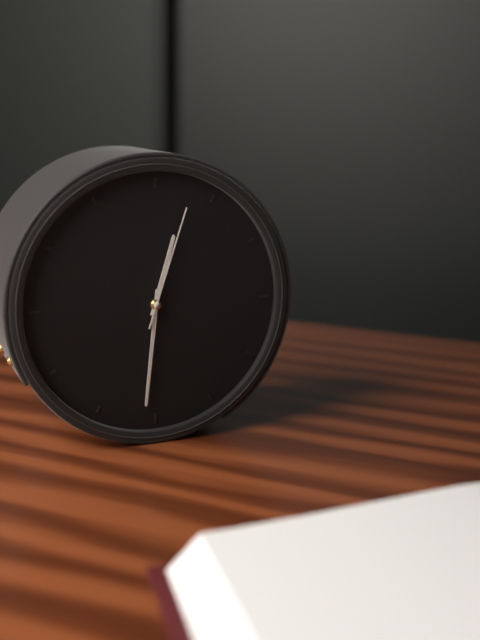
12:31:03
